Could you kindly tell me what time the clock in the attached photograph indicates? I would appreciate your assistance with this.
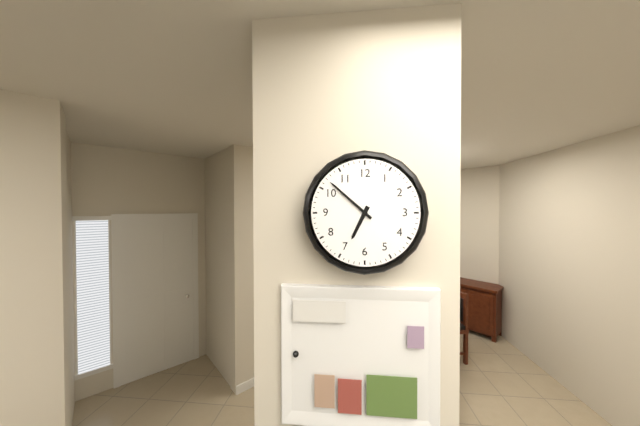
6:52
